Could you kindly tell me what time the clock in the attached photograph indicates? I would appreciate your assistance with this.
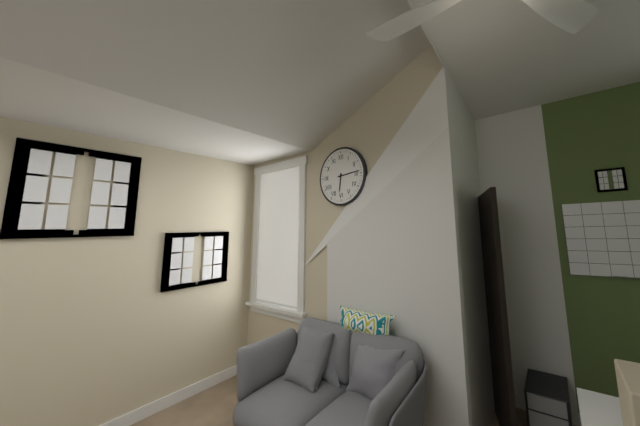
6:14
